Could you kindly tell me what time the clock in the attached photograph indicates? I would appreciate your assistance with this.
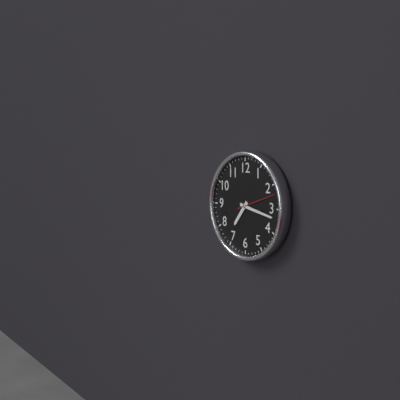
7:17
